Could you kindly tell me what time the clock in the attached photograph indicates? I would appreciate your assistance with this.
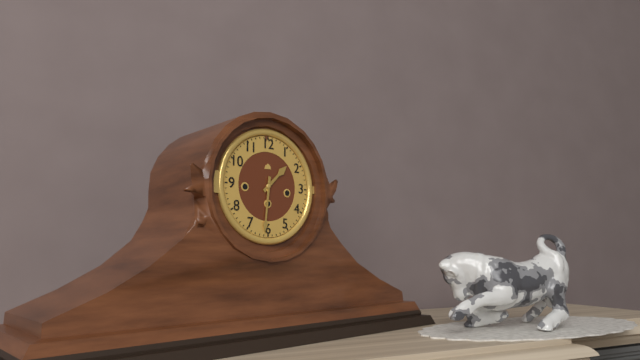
1:31
